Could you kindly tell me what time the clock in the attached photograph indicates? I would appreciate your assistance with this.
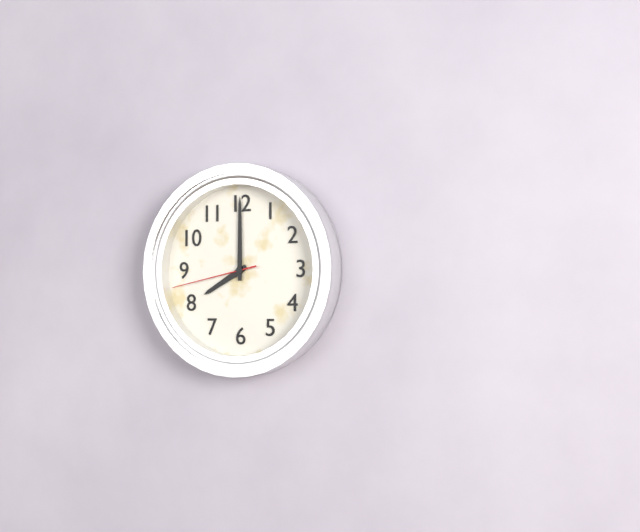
8:00:43
